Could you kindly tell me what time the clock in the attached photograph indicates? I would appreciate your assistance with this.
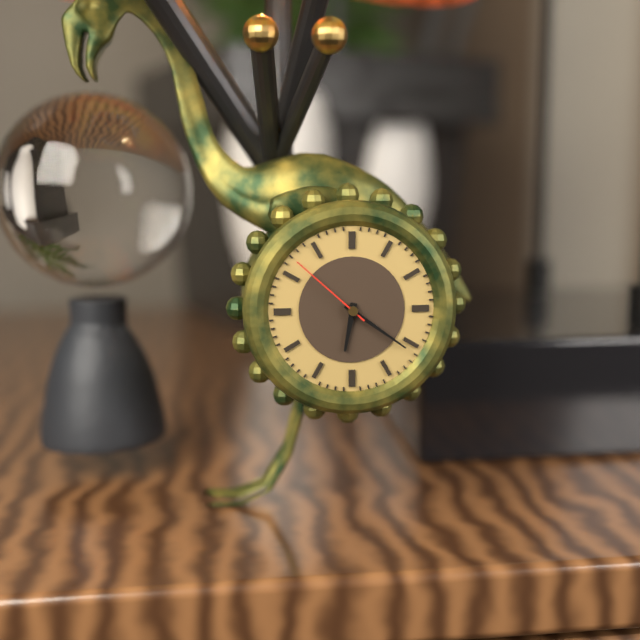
6:21:52
